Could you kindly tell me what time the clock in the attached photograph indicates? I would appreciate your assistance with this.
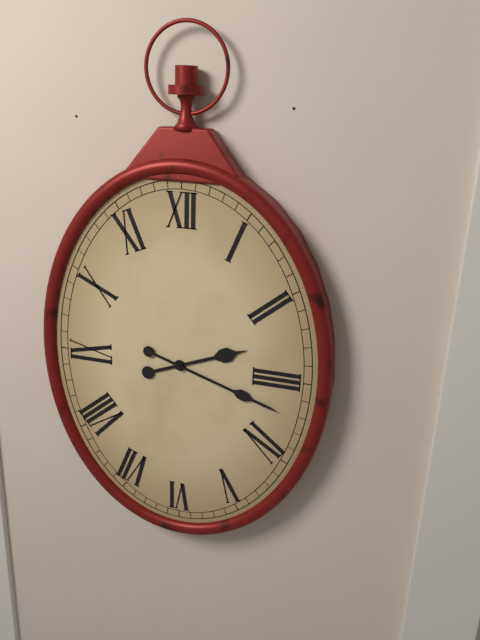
2:18
